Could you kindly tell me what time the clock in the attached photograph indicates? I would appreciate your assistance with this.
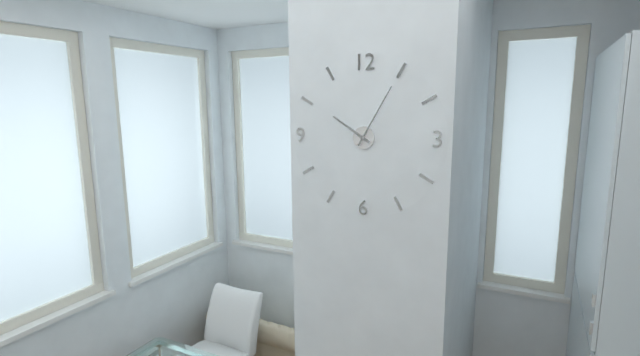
10:05
